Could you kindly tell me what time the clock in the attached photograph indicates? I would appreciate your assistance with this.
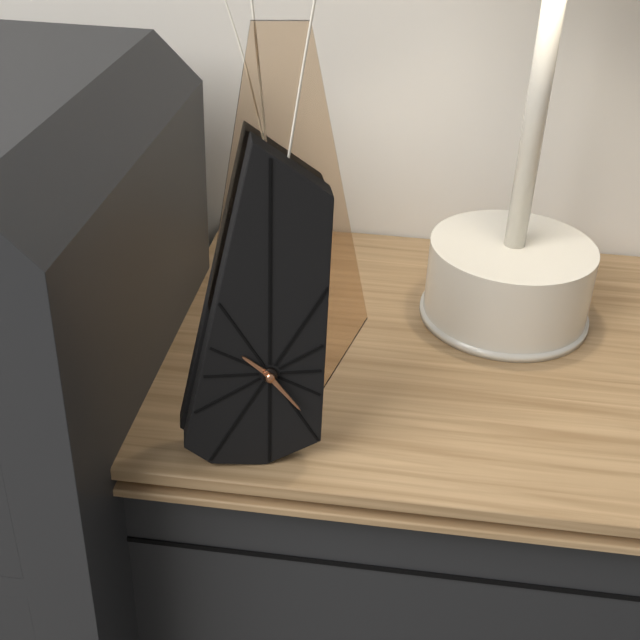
10:24
